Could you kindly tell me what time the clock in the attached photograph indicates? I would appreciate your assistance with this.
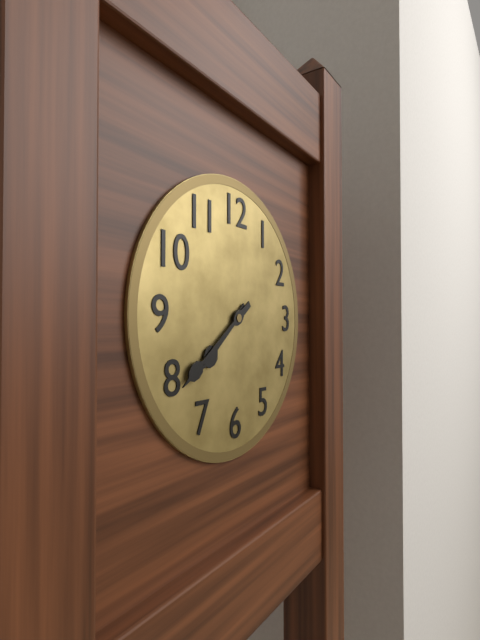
7:39
